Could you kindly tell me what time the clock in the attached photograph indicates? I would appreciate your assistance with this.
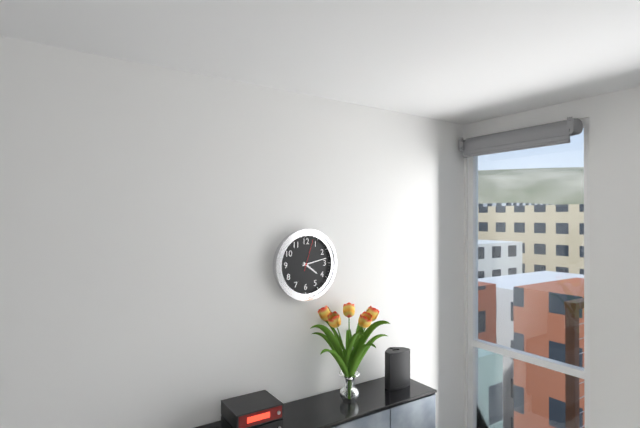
4:13
